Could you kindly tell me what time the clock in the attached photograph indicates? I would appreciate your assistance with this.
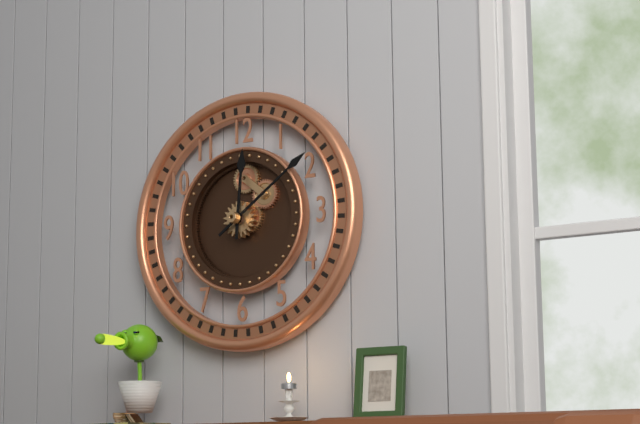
12:09
